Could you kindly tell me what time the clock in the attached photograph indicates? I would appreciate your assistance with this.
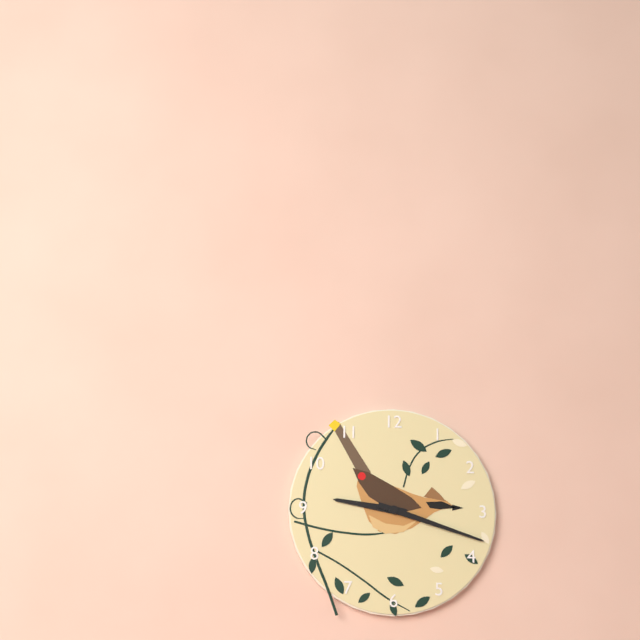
9:18
